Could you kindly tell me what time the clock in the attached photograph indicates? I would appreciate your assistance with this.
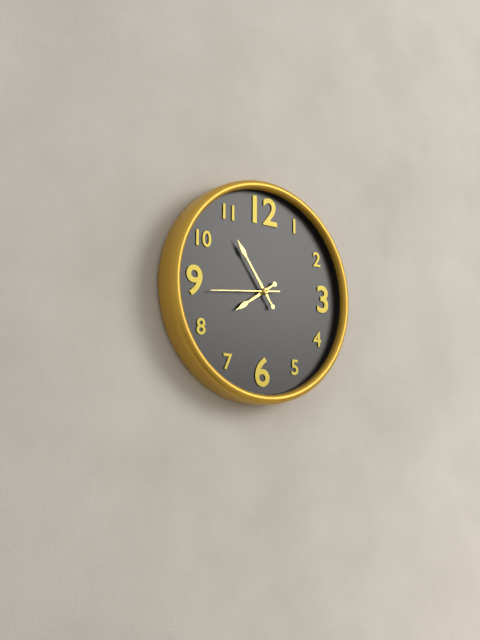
7:54:44
